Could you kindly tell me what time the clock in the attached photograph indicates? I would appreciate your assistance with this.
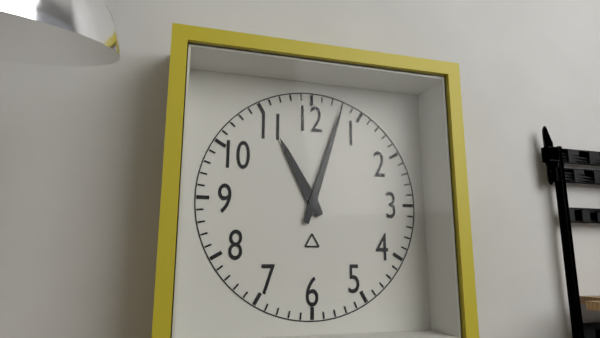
11:03
